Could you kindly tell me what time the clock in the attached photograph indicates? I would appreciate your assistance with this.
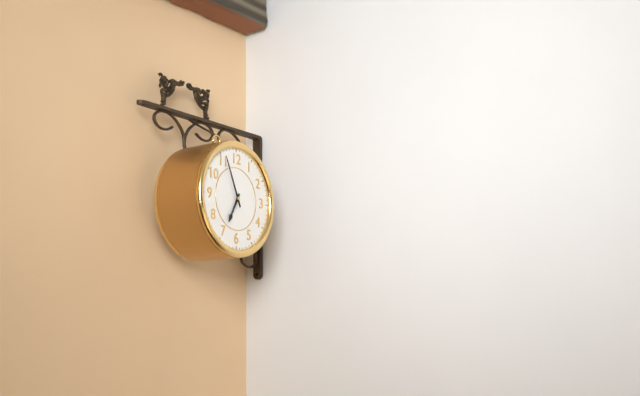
6:56
